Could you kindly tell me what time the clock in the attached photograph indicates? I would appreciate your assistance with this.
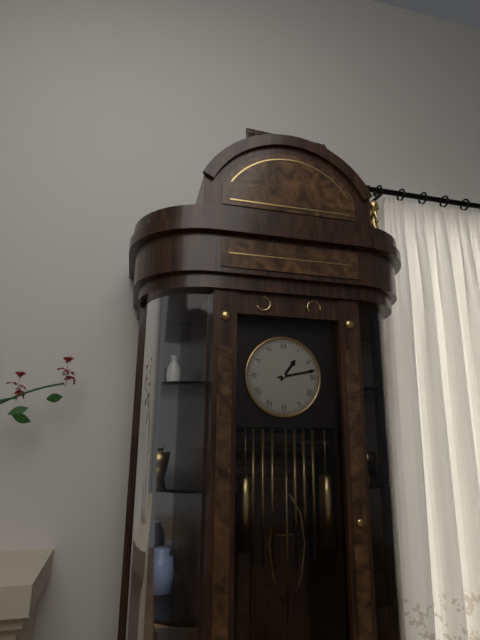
1:13
